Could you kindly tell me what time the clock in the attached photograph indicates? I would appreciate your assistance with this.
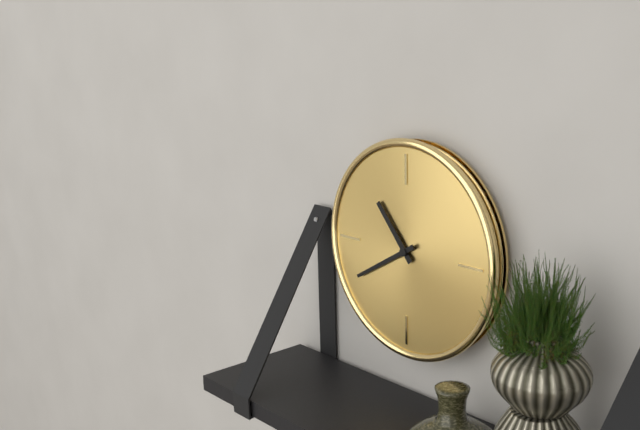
10:40
